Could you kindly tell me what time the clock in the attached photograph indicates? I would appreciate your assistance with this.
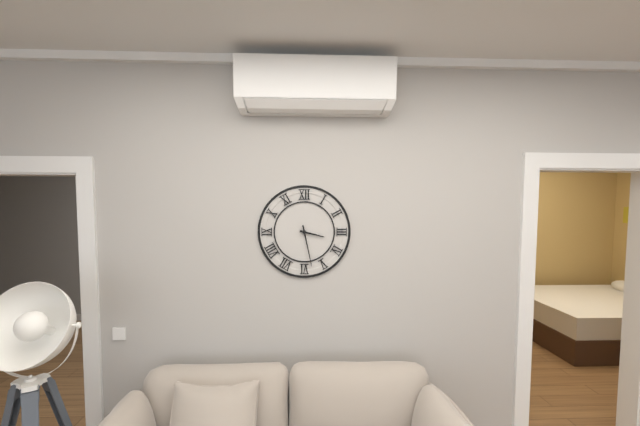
3:28
